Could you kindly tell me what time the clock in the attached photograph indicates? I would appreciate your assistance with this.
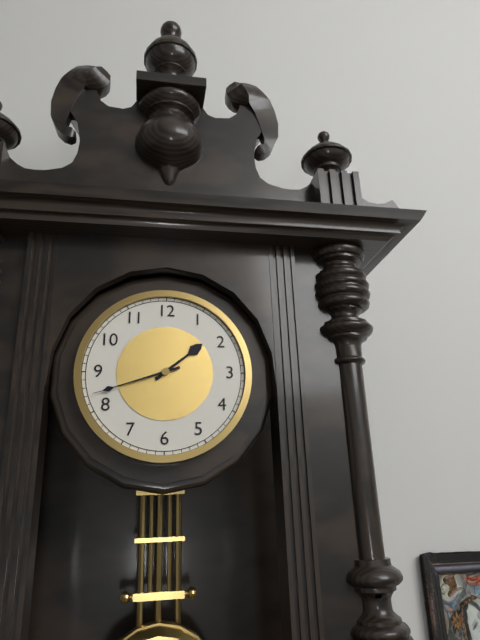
1:42
